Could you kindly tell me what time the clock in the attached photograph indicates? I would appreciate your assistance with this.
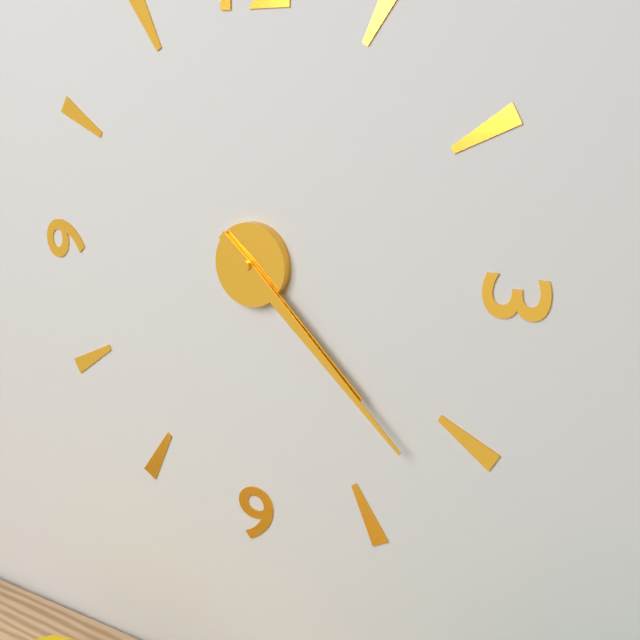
4:22
